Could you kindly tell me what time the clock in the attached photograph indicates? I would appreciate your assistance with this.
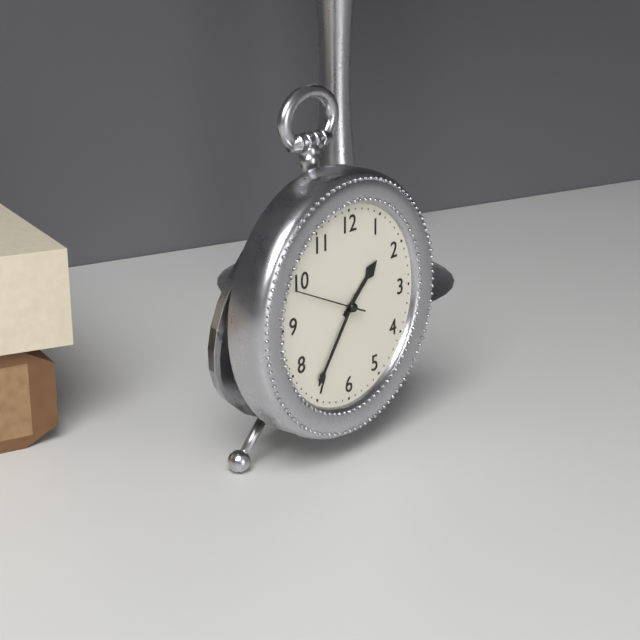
1:36:49
